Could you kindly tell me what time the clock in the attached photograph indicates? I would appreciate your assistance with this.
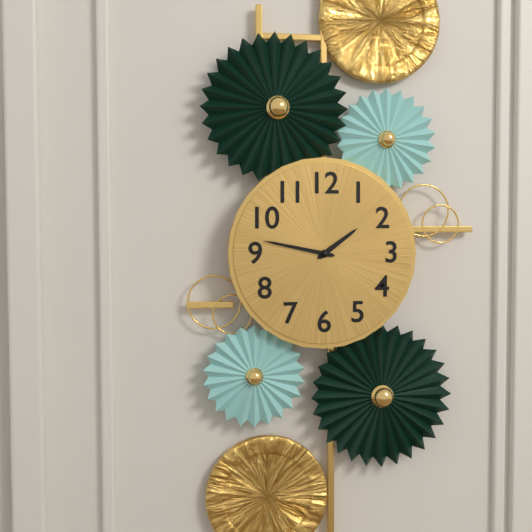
1:47
